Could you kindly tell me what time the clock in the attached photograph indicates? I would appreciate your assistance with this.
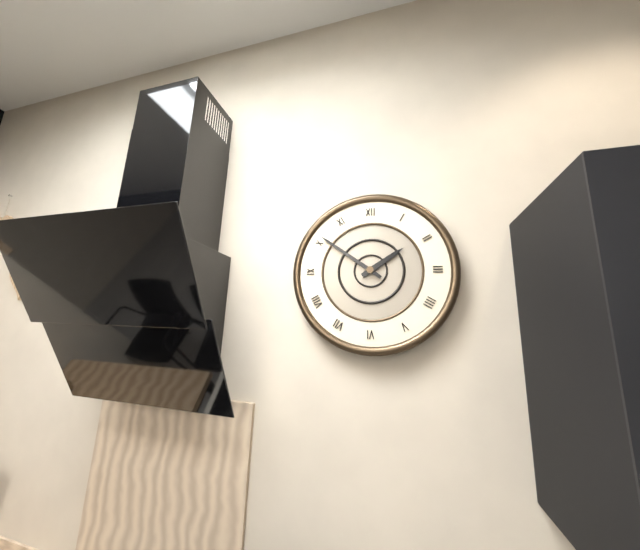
1:51
